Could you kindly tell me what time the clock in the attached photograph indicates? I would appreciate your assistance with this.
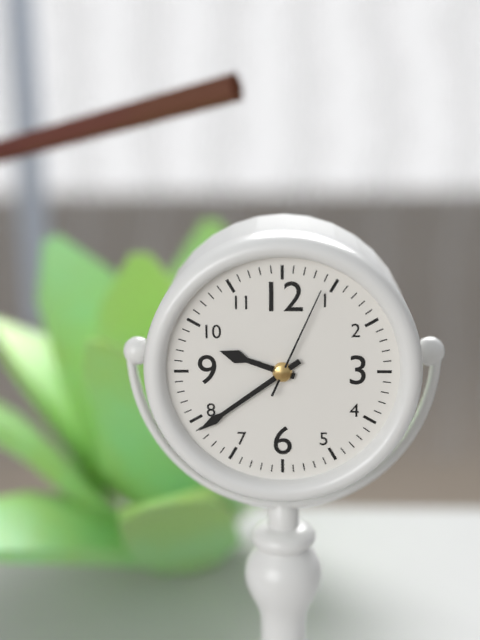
9:39:04
